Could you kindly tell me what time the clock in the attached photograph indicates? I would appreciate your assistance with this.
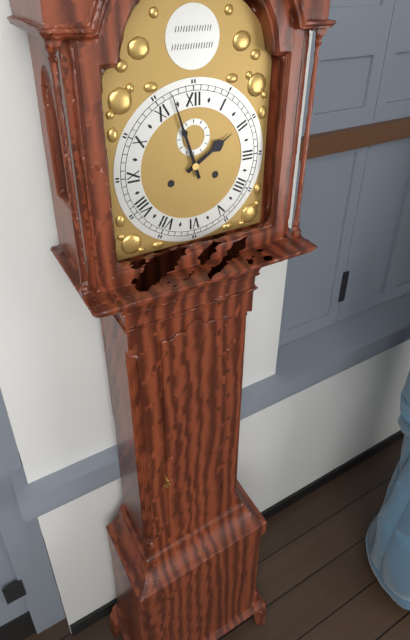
1:57
